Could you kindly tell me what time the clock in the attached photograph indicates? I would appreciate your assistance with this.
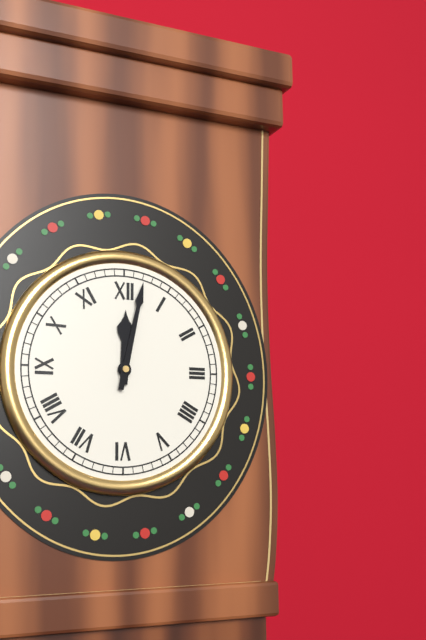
12:02
